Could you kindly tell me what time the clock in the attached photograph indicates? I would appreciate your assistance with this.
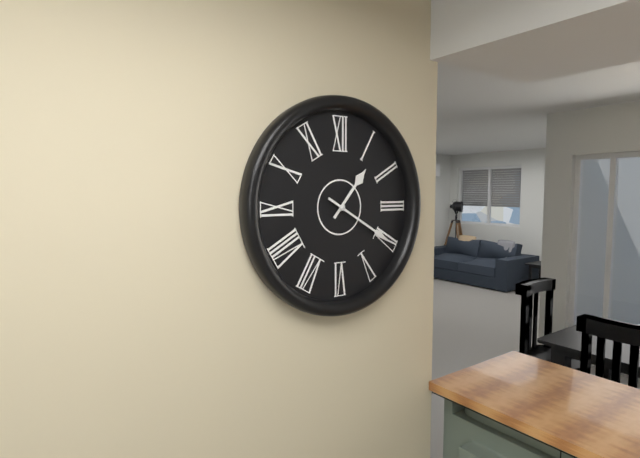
1:20
